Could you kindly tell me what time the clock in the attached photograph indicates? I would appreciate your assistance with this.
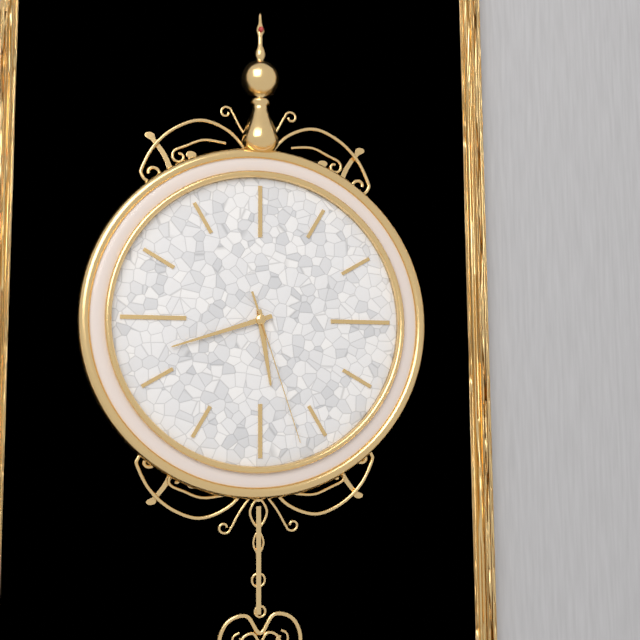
5:42:27
